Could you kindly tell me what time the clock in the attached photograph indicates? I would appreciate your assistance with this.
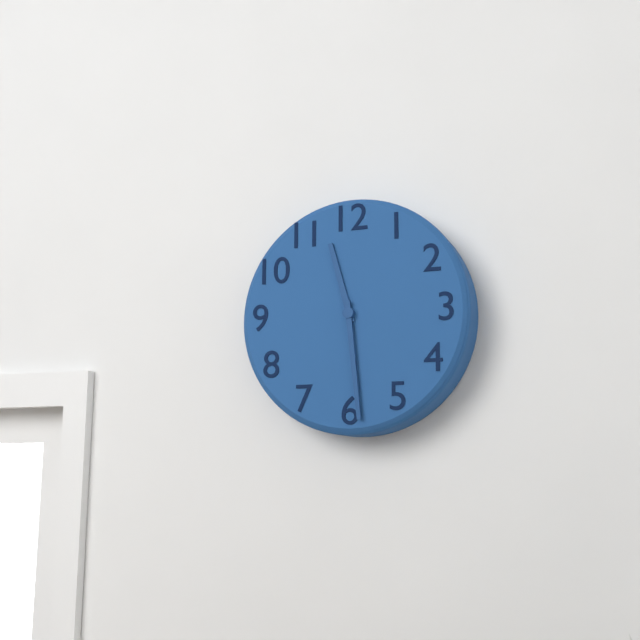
11:29
